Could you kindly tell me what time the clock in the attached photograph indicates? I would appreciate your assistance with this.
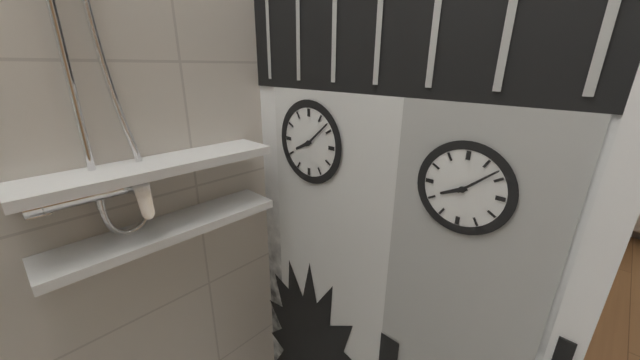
8:08
